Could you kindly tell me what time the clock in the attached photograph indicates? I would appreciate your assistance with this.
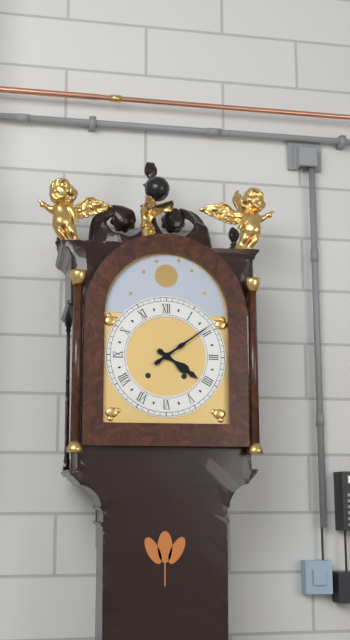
4:09
